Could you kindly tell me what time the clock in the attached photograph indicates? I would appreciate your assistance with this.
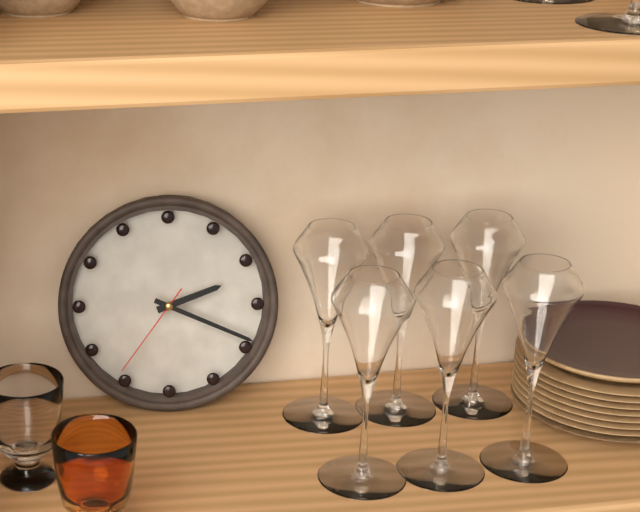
2:19:36
